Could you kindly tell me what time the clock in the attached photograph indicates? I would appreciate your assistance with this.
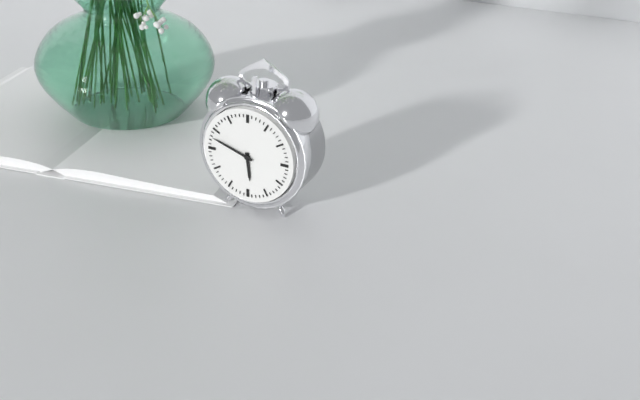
5:48
